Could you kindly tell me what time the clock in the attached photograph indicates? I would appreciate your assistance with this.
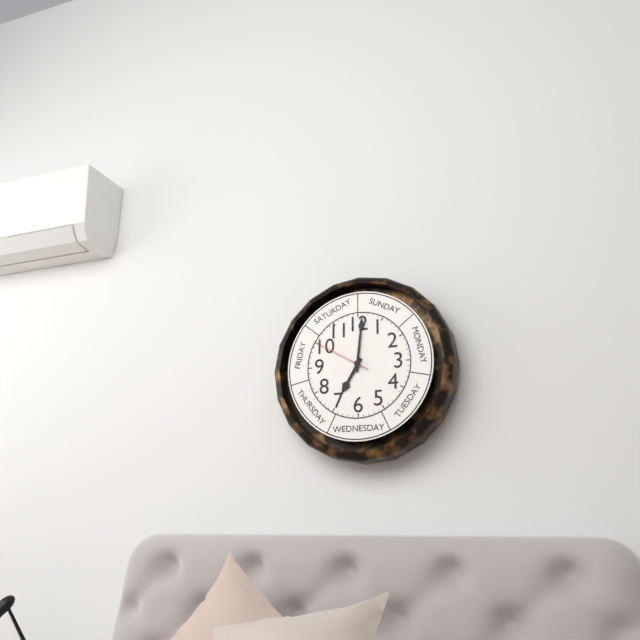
7:01:50
